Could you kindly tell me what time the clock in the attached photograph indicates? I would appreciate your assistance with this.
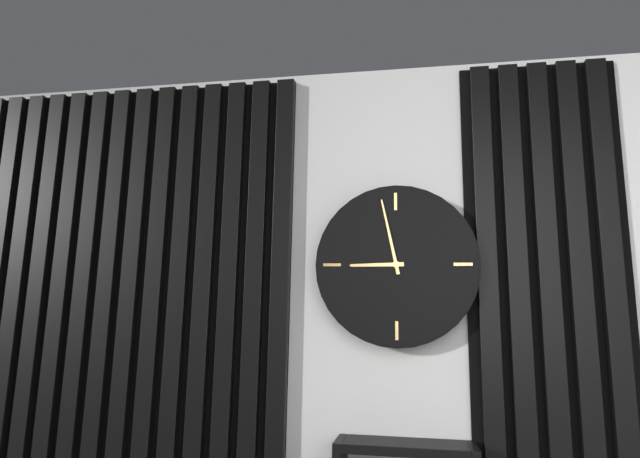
8:58
